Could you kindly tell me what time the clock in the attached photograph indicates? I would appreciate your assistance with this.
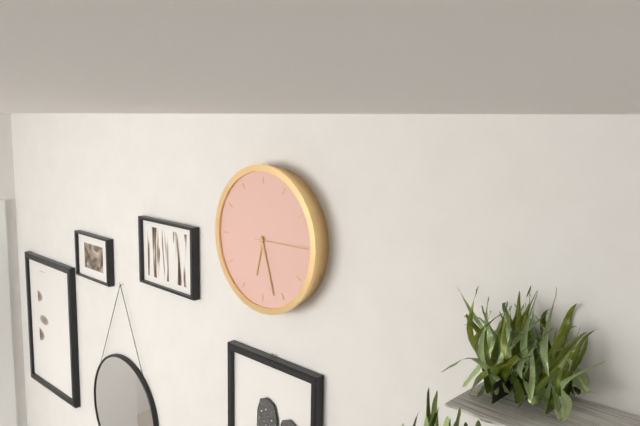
6:27:15
